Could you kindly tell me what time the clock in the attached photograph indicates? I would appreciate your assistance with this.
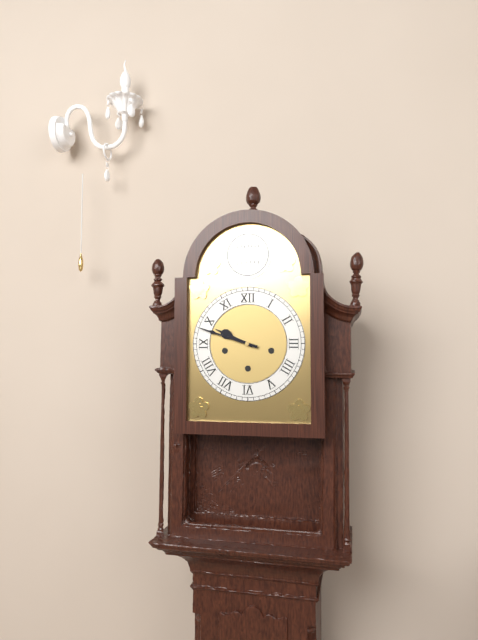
9:48
